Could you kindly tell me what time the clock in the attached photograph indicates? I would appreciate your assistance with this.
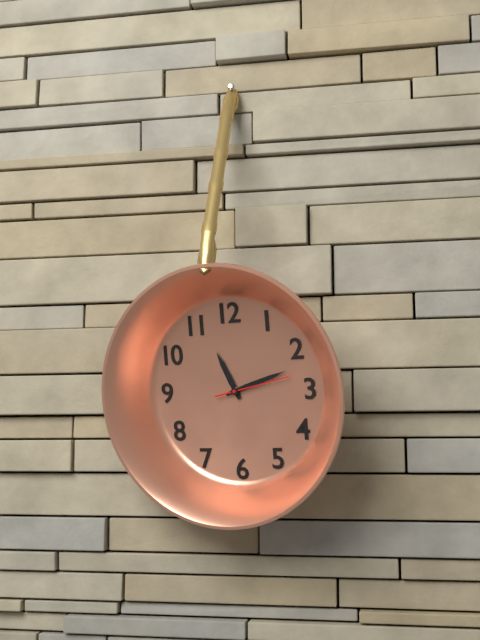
11:12:13
